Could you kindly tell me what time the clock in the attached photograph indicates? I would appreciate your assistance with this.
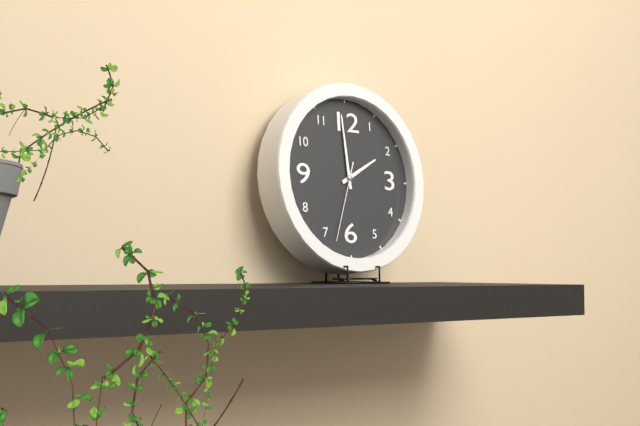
1:59:33
